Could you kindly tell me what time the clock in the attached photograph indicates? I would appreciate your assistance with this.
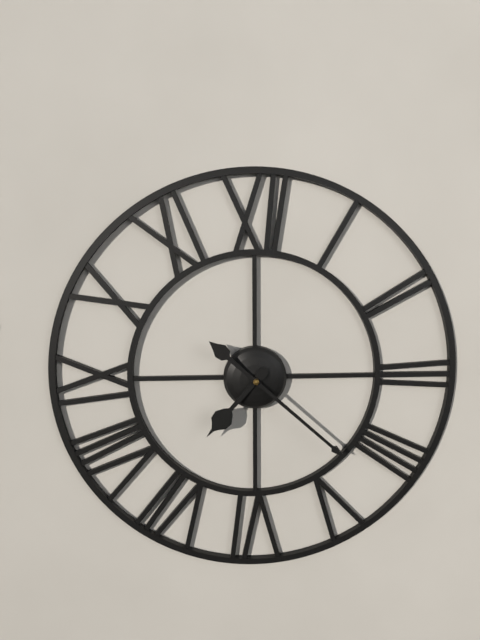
7:22
